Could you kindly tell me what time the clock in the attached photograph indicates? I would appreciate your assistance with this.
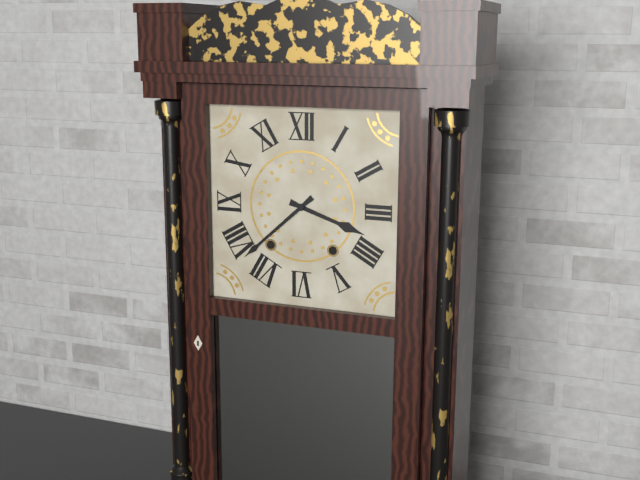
3:38
